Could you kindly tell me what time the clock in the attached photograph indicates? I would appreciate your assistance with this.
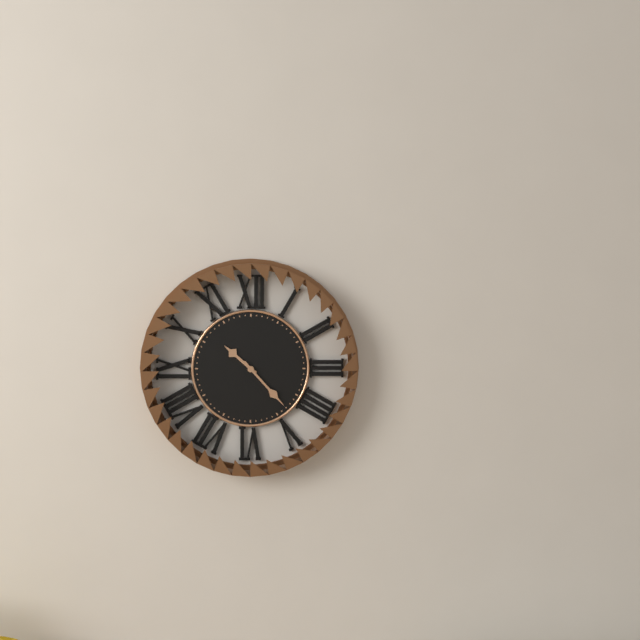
10:23
